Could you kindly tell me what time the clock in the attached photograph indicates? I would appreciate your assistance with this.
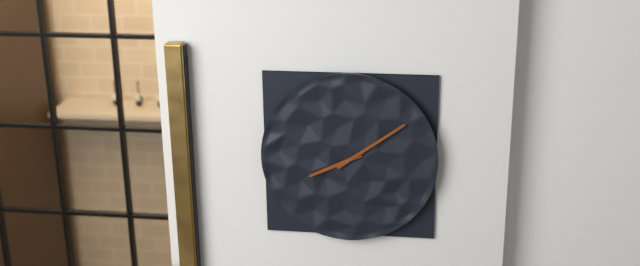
8:09
